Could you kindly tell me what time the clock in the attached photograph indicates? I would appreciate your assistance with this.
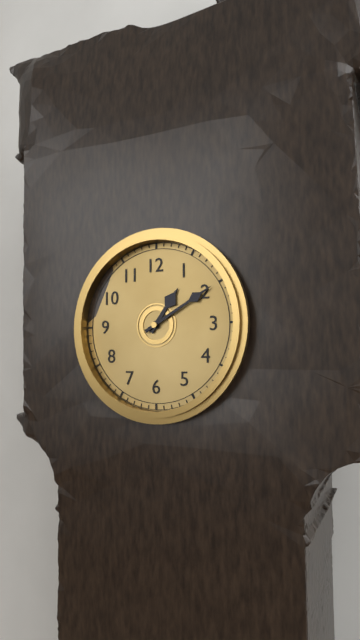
1:10
